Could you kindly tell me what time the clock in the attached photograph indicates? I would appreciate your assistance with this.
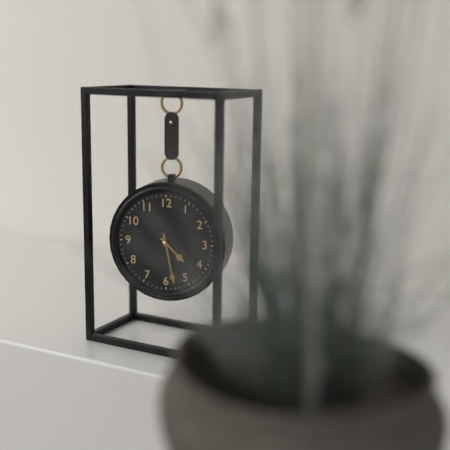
4:28
